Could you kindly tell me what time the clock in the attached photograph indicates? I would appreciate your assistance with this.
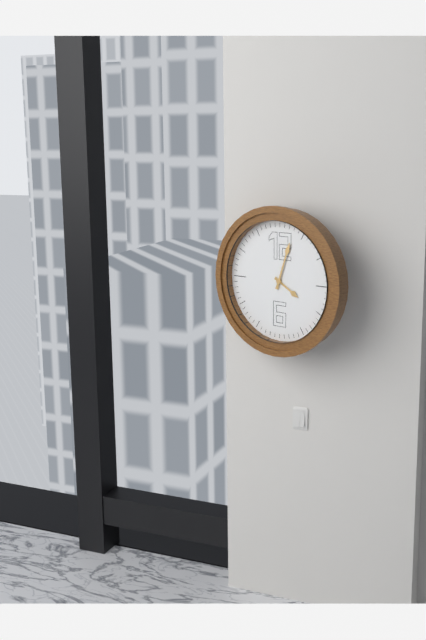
4:03
